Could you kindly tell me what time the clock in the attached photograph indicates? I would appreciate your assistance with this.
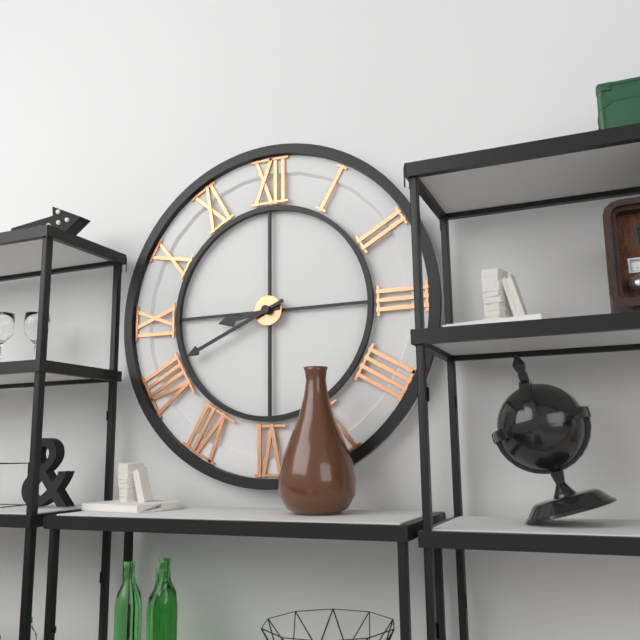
8:41
